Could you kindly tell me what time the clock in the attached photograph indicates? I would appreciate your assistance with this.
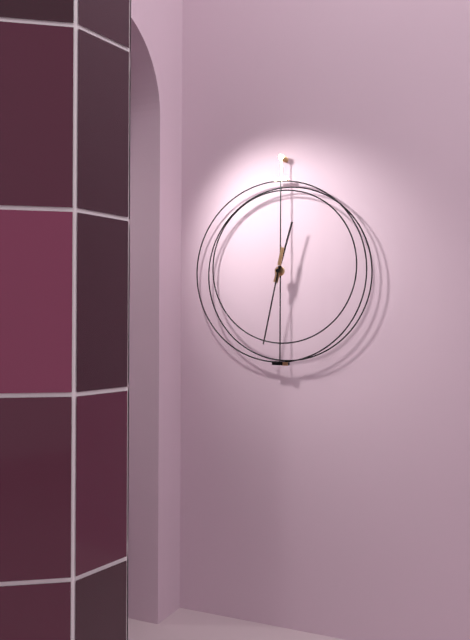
12:32
